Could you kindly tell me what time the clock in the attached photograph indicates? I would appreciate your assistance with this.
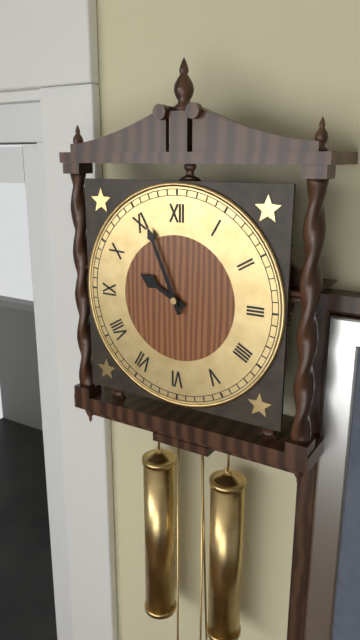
9:56
